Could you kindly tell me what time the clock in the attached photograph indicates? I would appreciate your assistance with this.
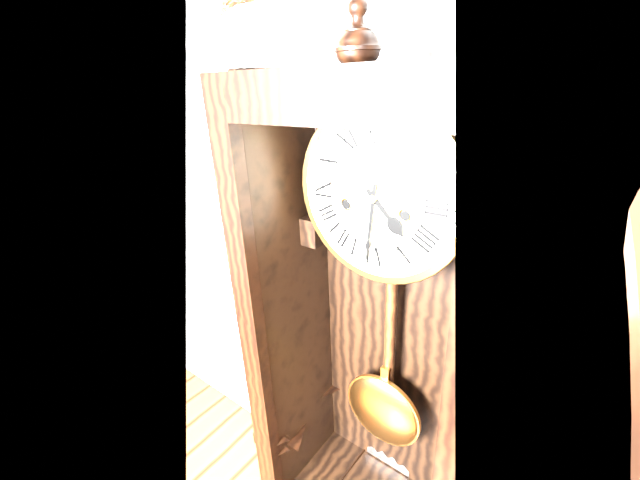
4:31
